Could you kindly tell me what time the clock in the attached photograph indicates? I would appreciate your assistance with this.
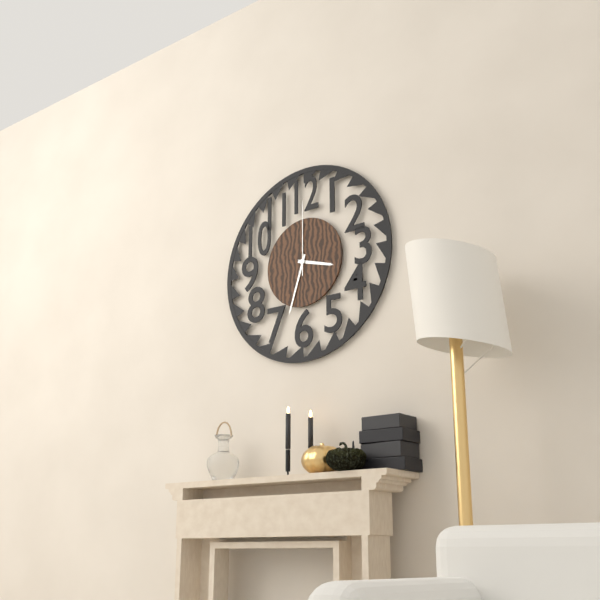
3:33:00
